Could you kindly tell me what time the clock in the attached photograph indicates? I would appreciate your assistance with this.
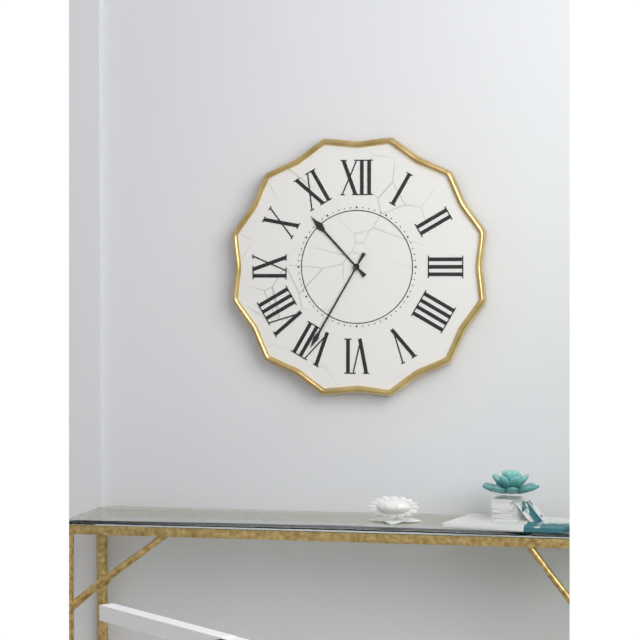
10:35
